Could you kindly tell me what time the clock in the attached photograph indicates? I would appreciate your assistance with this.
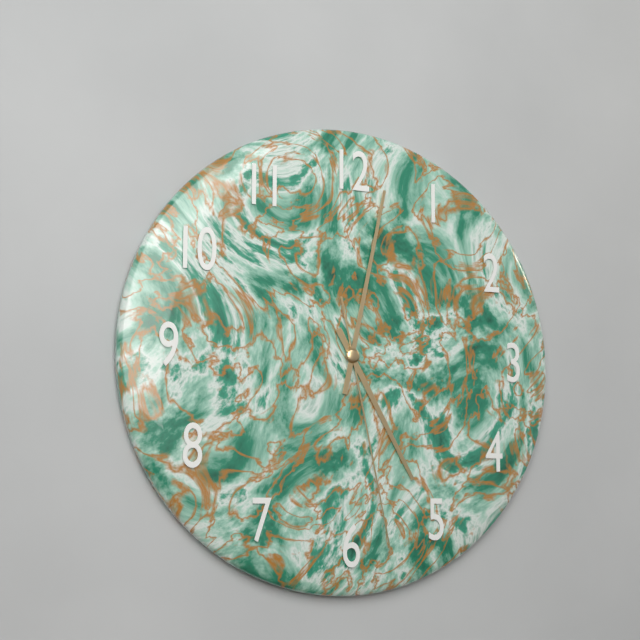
5:02:28
